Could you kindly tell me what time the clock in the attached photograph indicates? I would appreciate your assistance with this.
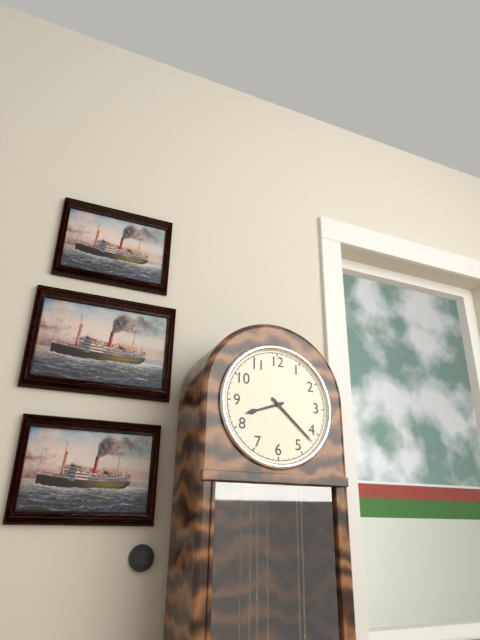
8:22
